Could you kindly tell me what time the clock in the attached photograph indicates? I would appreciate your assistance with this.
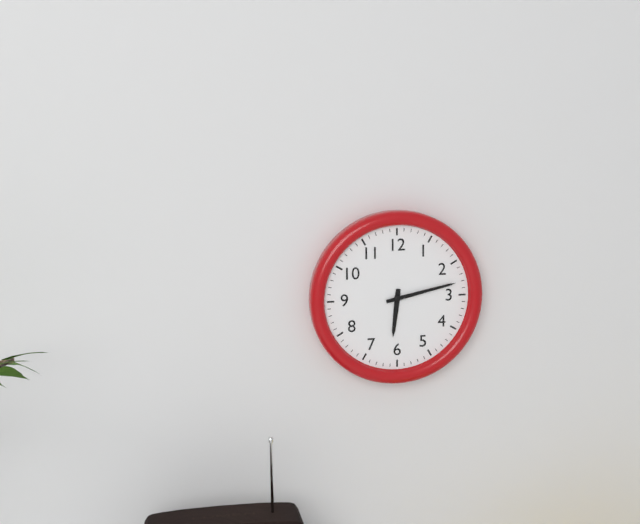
6:13
